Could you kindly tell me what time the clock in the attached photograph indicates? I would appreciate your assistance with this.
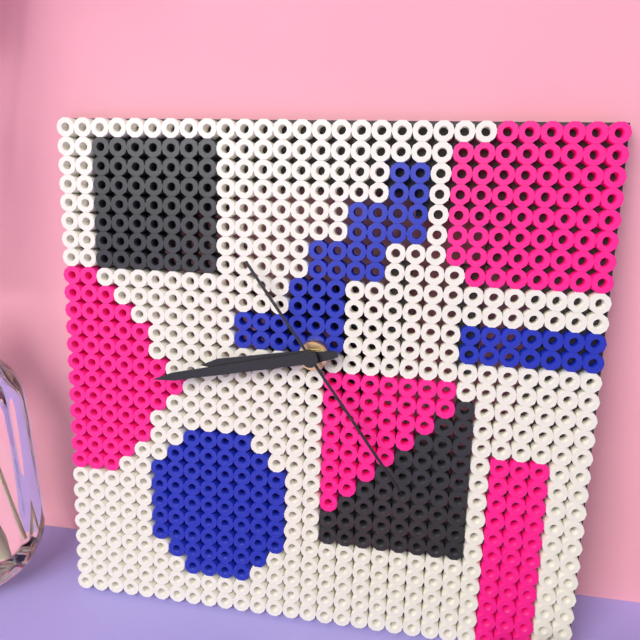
8:43:24
